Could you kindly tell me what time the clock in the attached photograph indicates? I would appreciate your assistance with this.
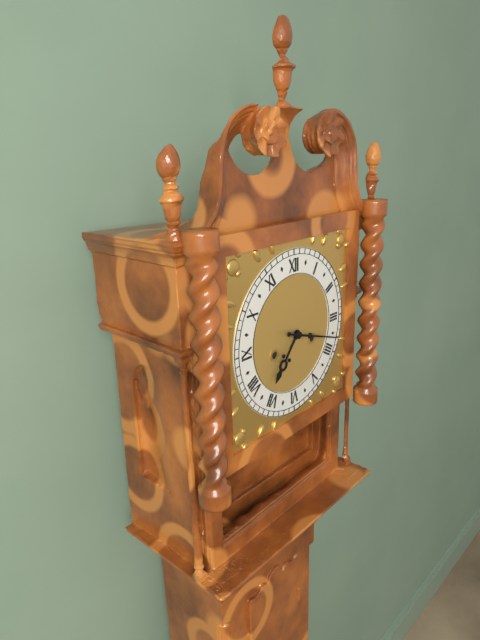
7:18
